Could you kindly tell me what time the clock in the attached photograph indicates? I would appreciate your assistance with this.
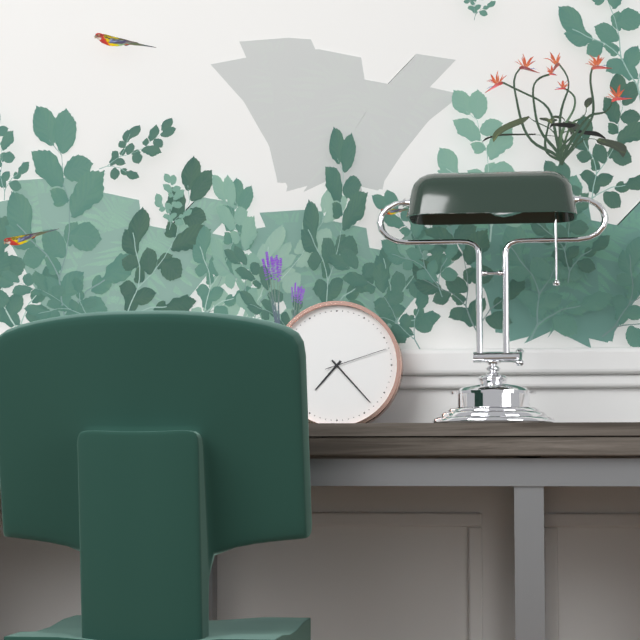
7:23:12
